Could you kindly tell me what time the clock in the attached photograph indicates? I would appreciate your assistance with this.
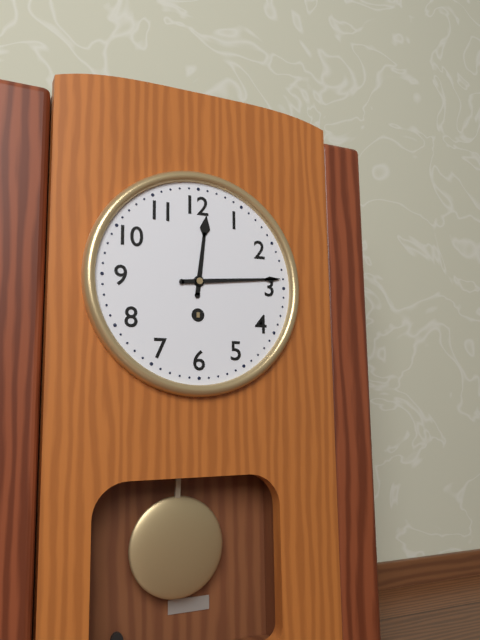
12:14
